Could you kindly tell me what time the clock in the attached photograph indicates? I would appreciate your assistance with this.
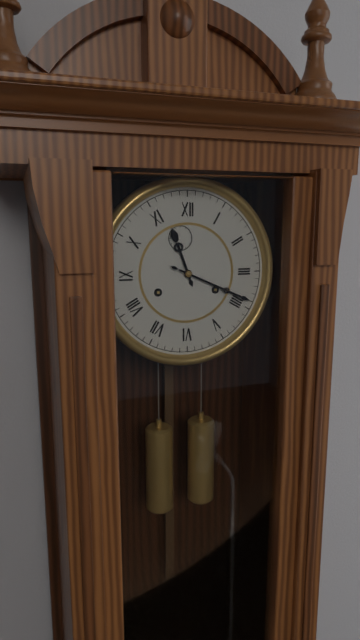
11:19
